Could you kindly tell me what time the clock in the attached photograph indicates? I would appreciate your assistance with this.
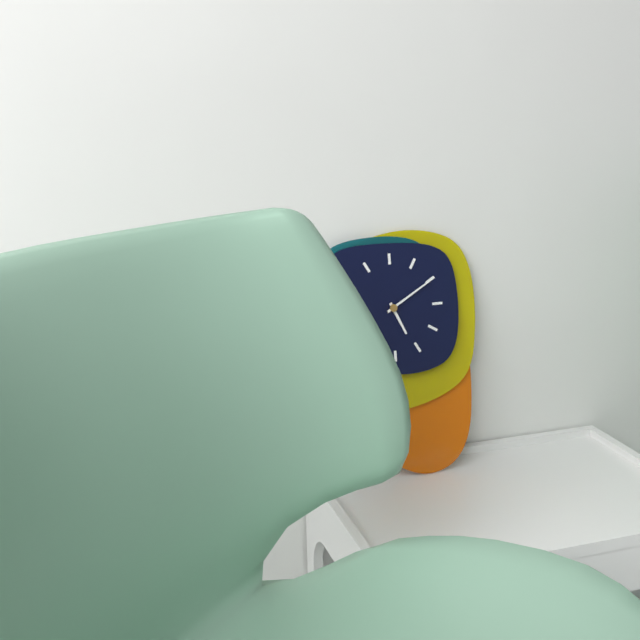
5:10
